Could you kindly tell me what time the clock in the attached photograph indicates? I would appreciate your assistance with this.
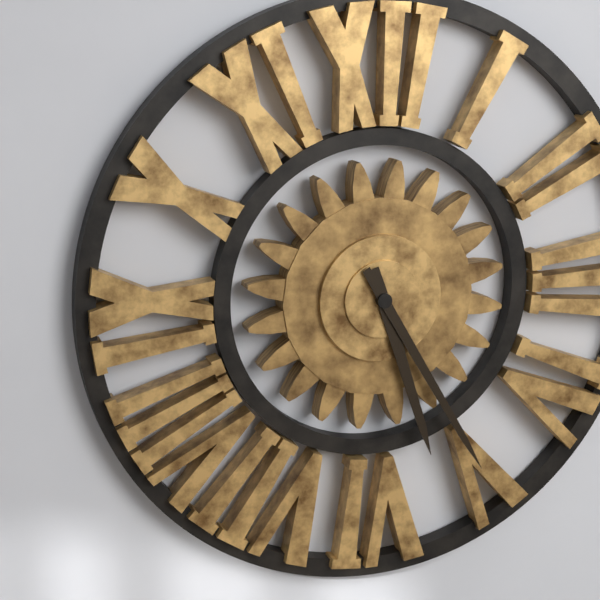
5:25
